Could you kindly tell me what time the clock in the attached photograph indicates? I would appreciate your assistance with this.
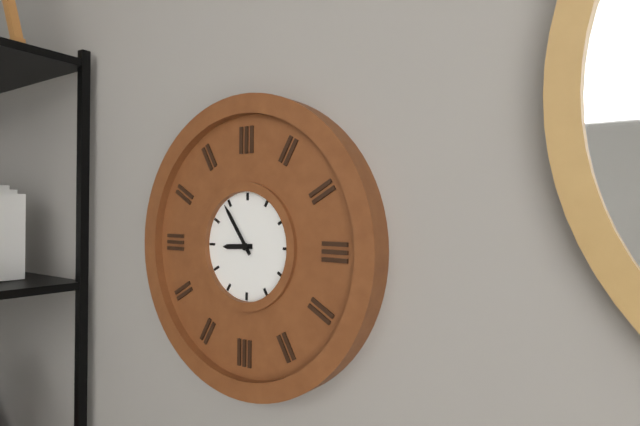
8:54
